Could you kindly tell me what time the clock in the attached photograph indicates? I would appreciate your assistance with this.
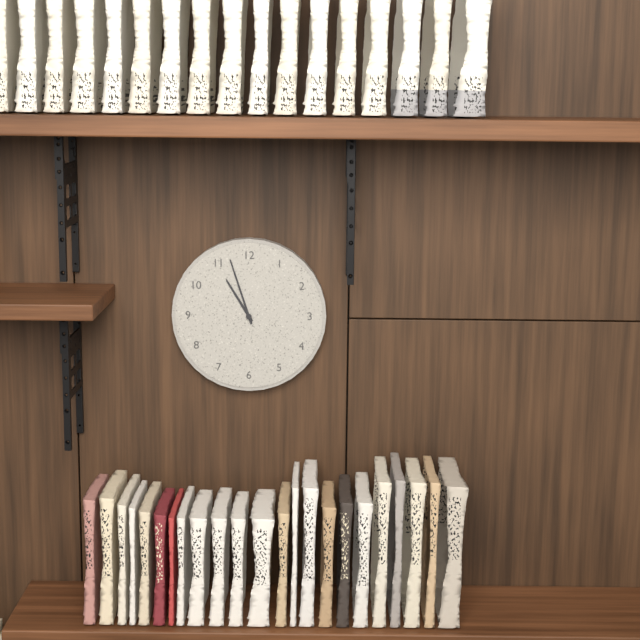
10:57
